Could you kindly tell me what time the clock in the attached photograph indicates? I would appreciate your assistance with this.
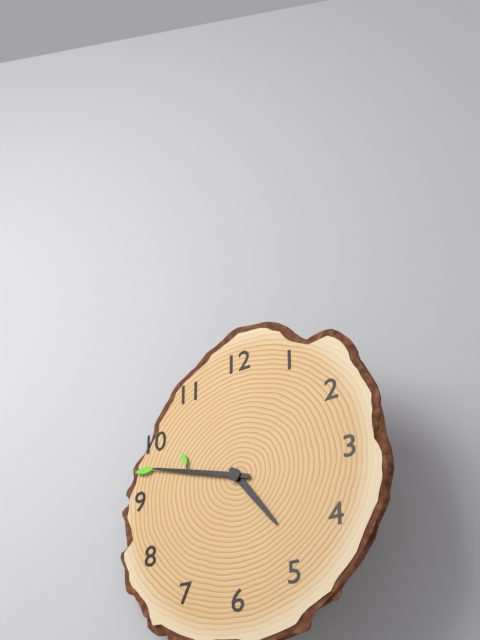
4:48
